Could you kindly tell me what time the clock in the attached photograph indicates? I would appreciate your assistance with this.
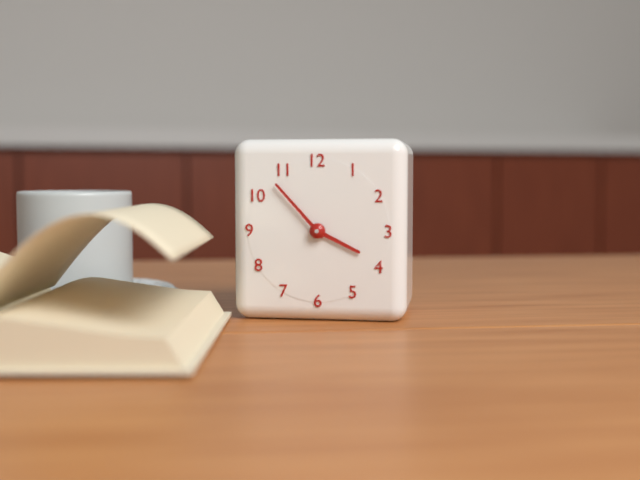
3:53
